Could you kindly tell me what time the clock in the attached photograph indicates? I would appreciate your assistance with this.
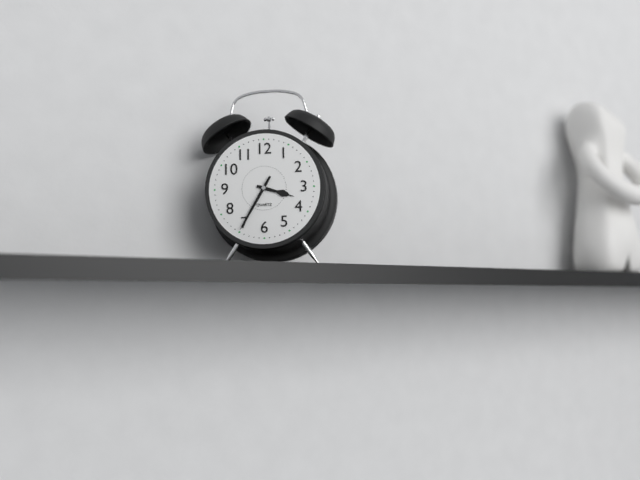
3:35
